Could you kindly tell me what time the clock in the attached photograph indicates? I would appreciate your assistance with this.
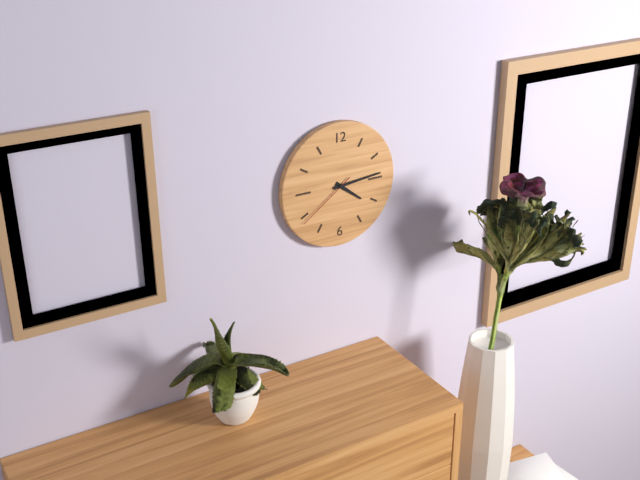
4:14:39
